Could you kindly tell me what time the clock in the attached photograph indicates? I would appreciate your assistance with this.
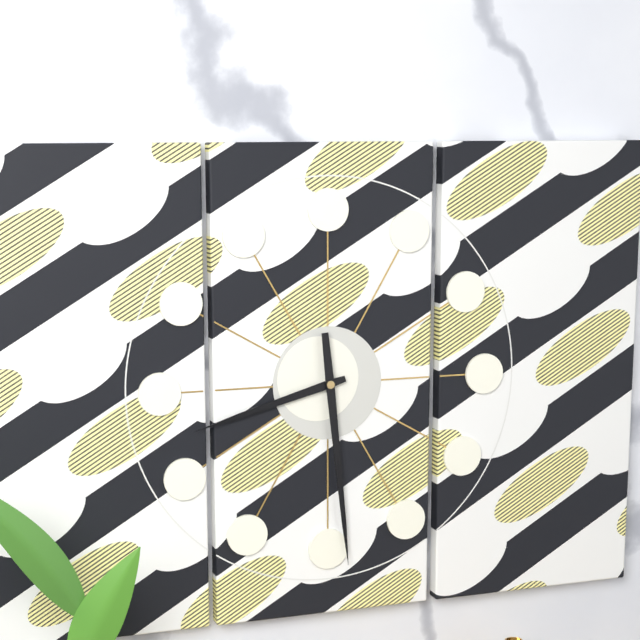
8:29
